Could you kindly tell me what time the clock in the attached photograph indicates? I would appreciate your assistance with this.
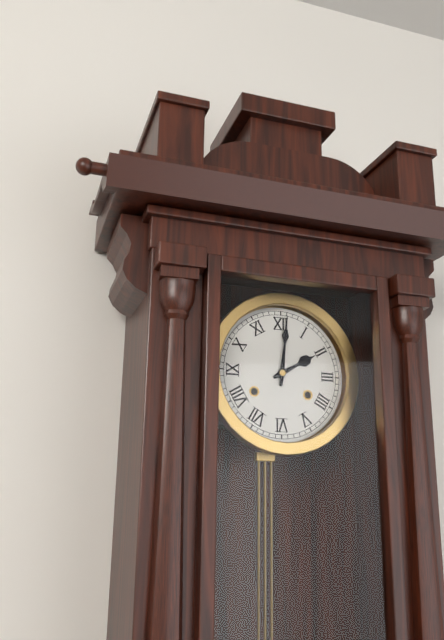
2:01
